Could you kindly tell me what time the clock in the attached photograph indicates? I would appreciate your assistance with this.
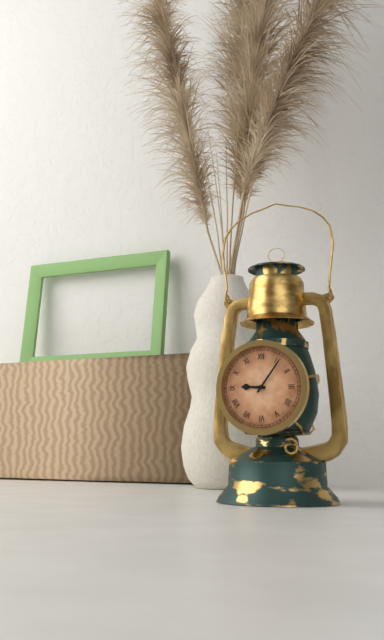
9:06
